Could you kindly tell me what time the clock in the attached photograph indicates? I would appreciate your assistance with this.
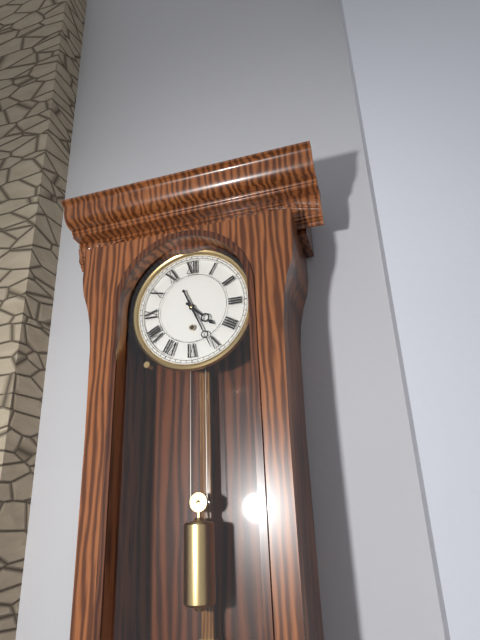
4:26
